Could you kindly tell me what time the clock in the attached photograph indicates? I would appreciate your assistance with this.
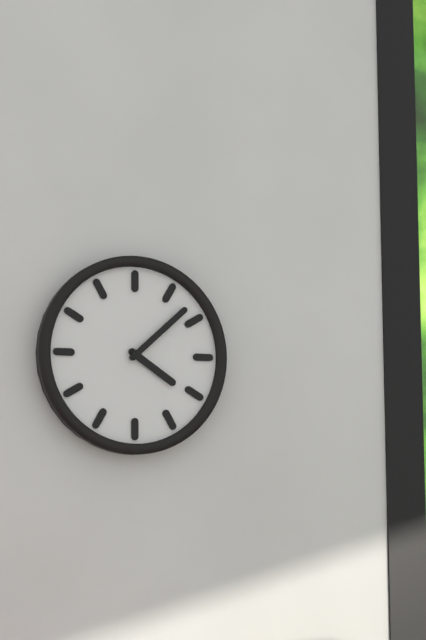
4:08
